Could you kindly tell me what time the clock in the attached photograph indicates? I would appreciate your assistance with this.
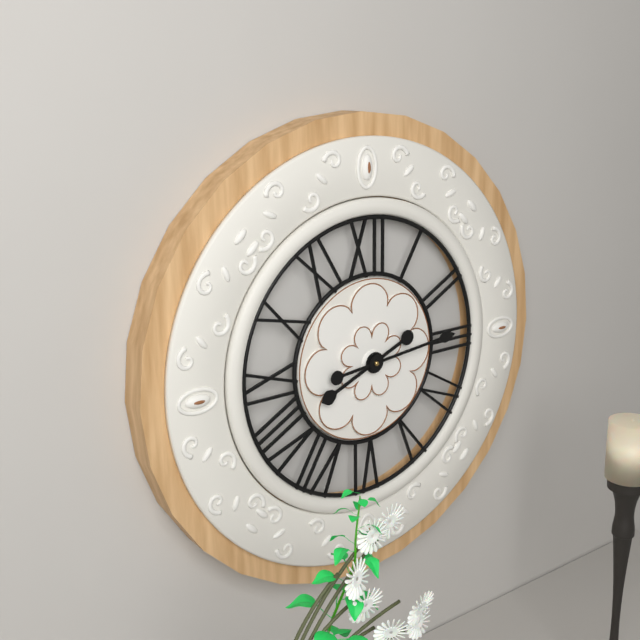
8:14
